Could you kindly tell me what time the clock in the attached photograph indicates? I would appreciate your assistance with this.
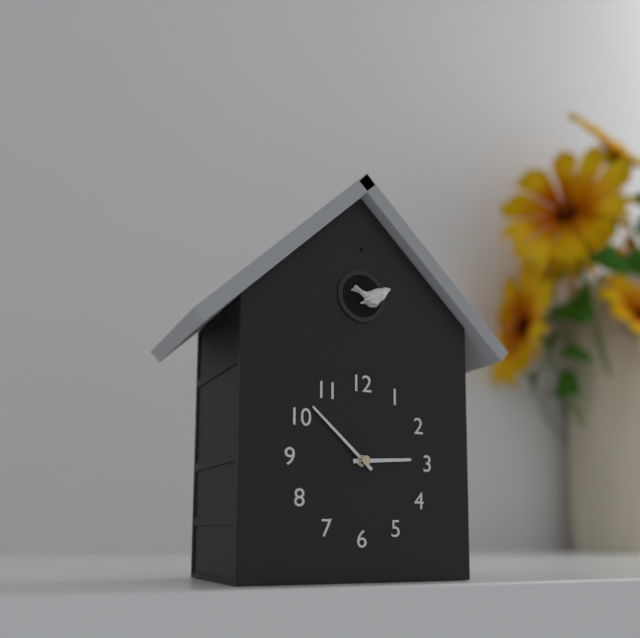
2:52
